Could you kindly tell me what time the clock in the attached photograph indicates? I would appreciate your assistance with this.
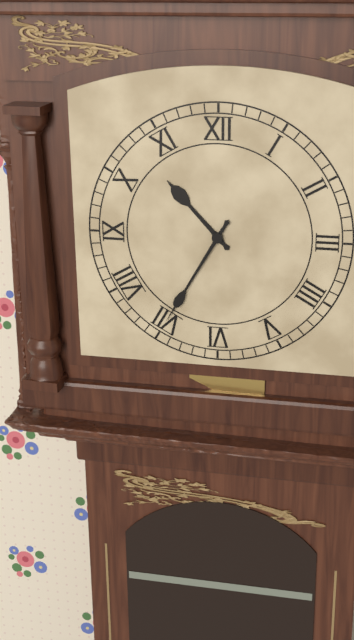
10:35
